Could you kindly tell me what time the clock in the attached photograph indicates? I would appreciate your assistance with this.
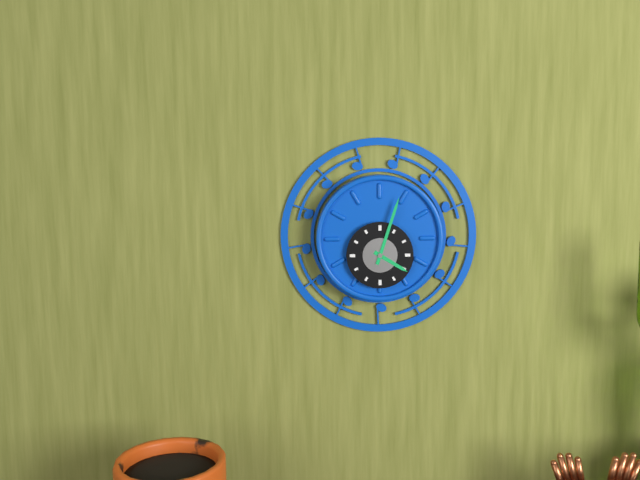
4:03
